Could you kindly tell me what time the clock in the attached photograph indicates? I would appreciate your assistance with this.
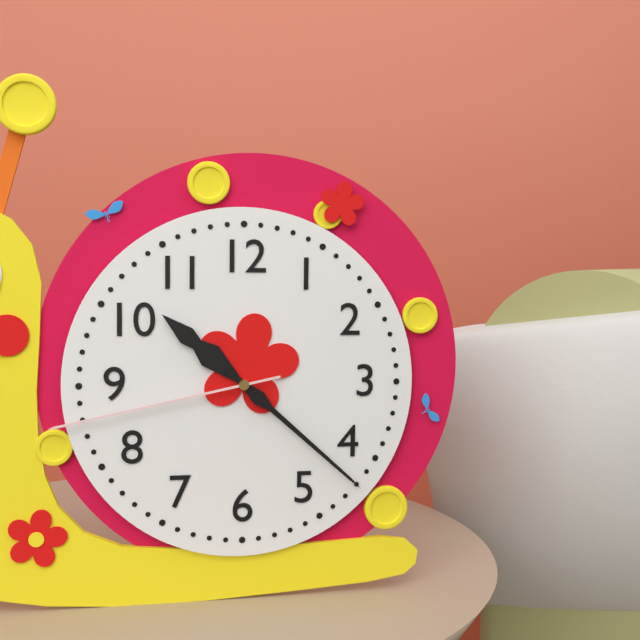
10:22:43
